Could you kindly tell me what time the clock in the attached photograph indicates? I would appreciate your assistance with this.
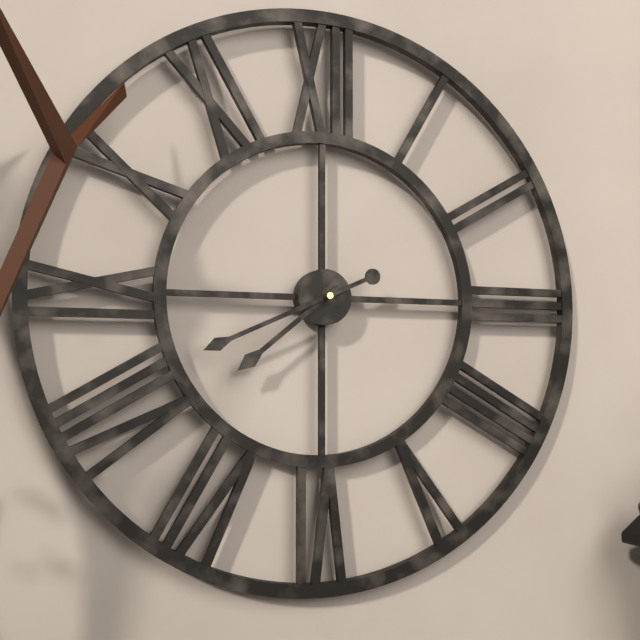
7:41
